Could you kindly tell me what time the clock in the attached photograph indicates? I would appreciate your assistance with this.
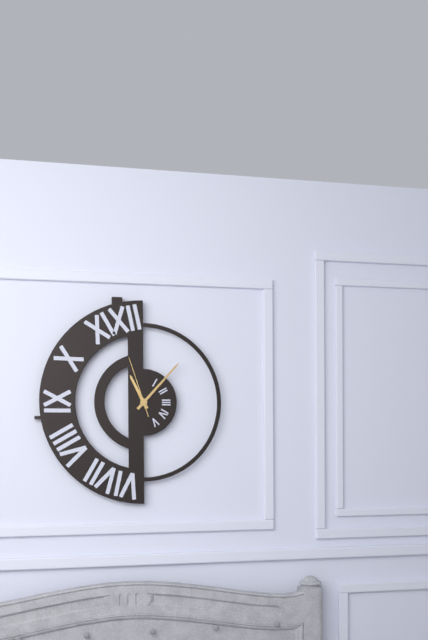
11:07:57
